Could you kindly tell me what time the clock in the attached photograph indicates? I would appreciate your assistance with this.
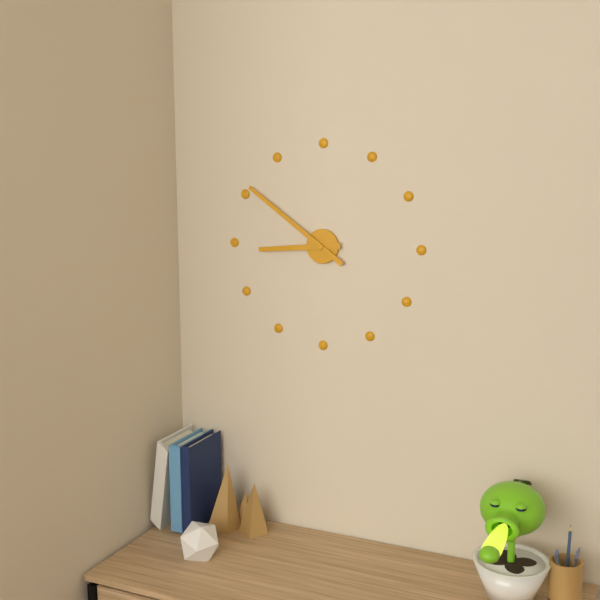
8:51
